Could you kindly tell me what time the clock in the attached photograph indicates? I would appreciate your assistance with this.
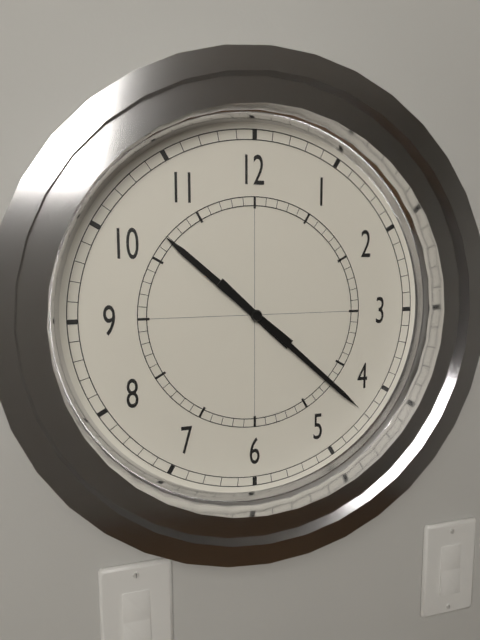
10:22
